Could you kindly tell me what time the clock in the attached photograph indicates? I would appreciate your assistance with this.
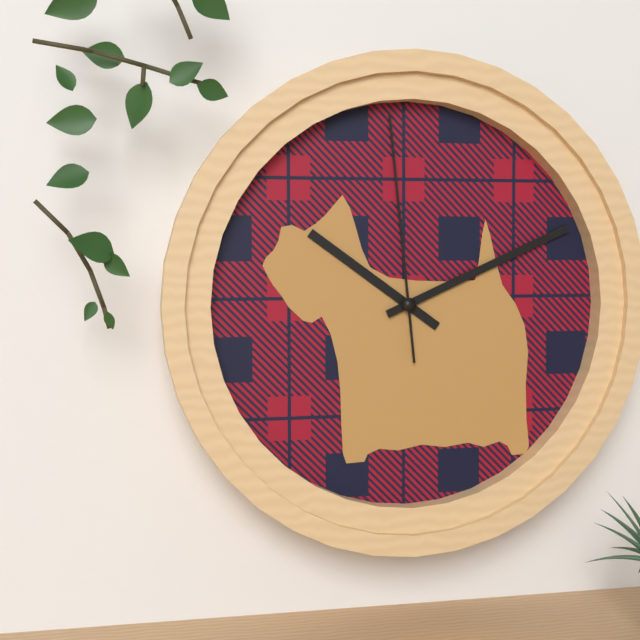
10:11:59
